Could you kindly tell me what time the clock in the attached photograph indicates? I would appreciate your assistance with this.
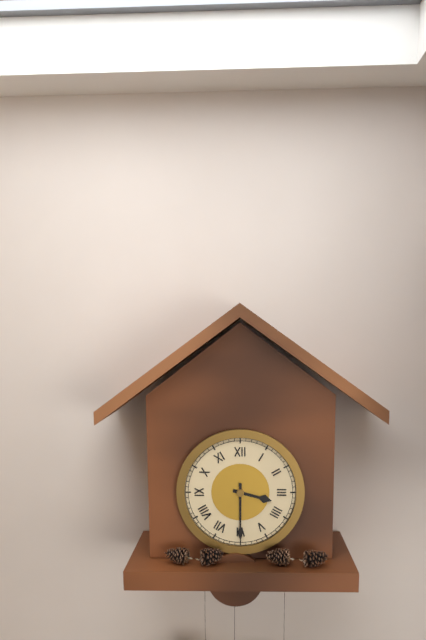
3:30
